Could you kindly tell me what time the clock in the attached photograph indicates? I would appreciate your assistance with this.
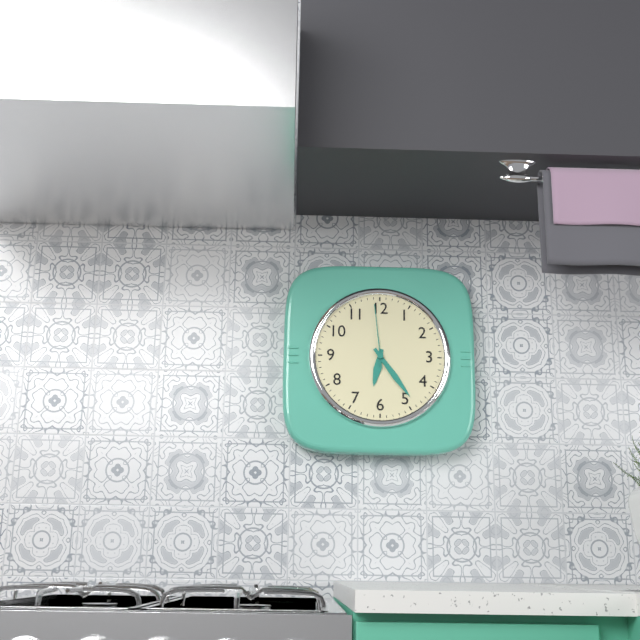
6:24:59
